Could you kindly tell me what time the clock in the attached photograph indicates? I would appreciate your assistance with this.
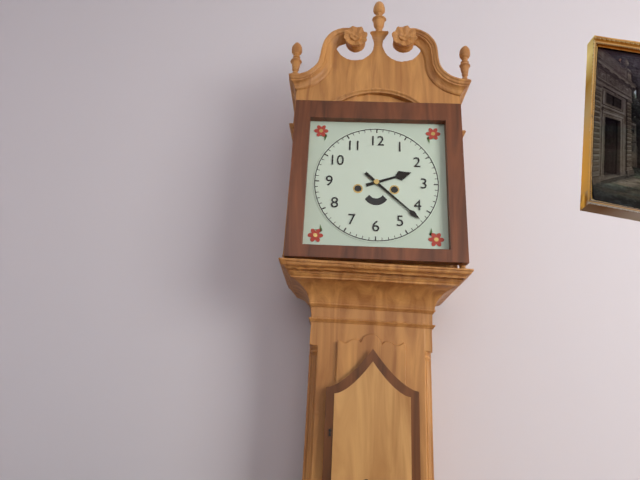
2:22
